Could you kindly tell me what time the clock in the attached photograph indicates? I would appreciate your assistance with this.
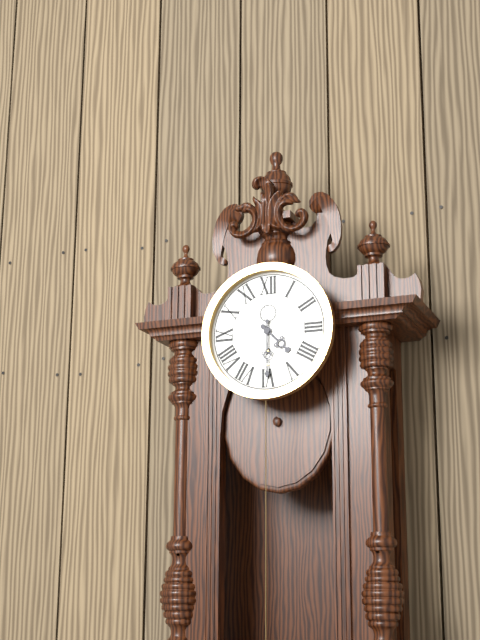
4:30
